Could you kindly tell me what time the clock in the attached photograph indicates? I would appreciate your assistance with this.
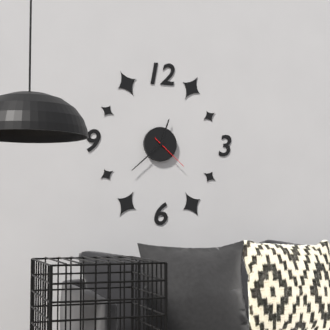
12:38
